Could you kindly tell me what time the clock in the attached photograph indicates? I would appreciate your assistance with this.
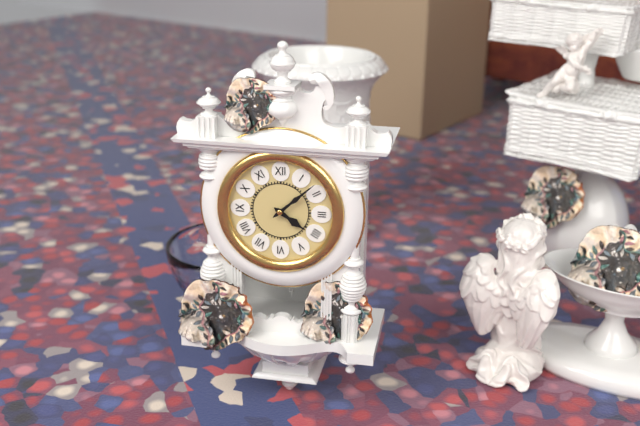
4:08
